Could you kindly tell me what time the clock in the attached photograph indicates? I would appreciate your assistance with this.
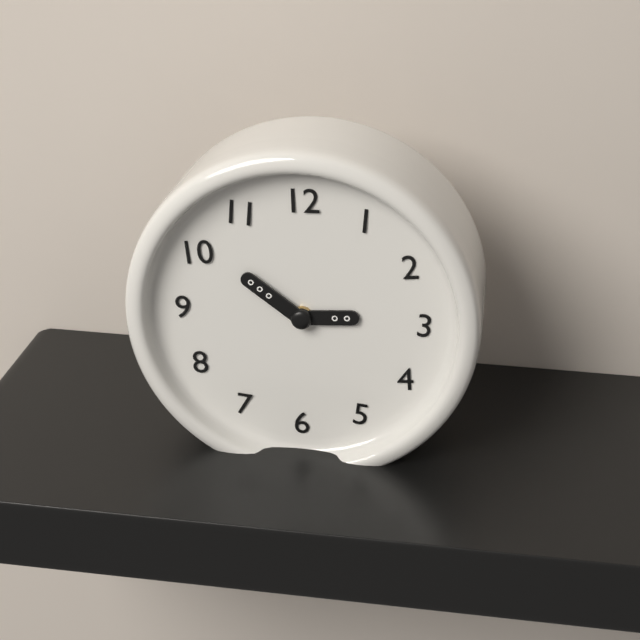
2:51
